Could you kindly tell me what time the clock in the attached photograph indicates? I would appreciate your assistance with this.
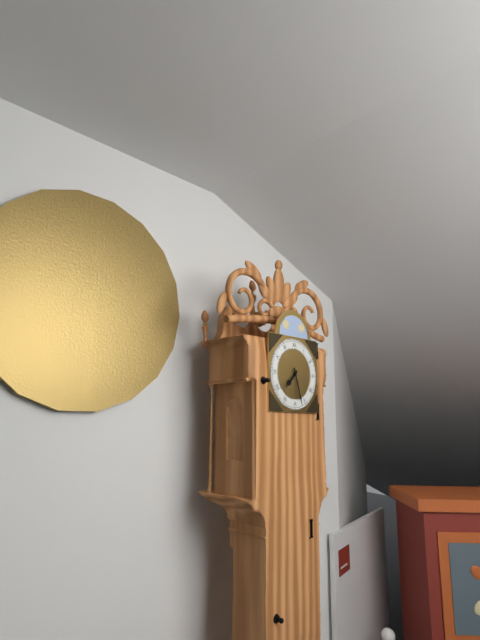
7:27
